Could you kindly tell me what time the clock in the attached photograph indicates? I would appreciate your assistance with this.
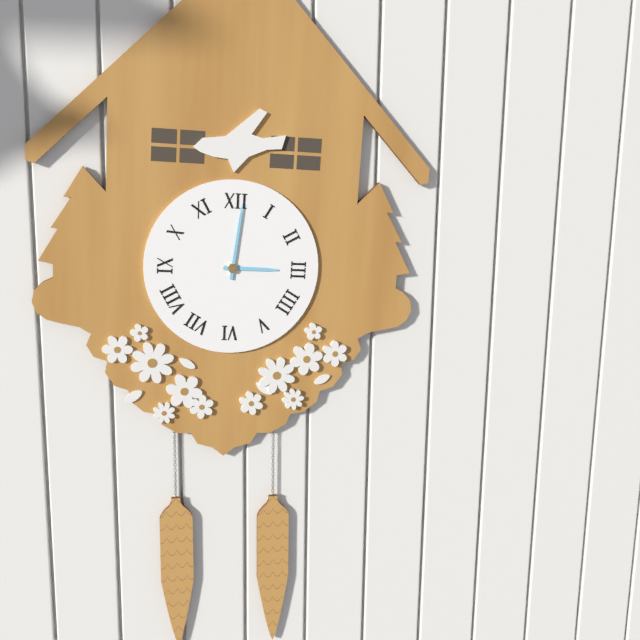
3:01
